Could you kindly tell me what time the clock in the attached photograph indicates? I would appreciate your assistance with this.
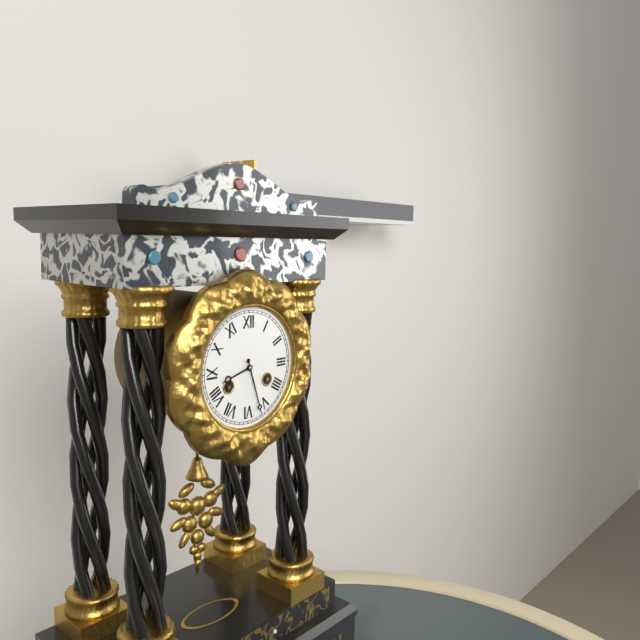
8:27
